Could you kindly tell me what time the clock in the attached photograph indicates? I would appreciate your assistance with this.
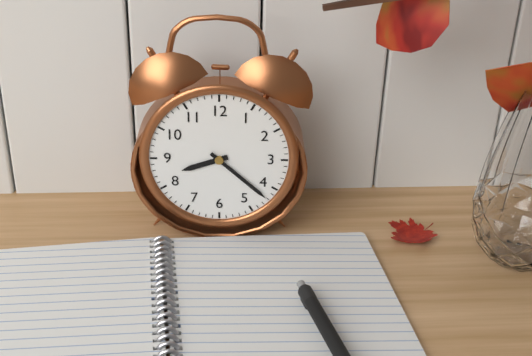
8:22
